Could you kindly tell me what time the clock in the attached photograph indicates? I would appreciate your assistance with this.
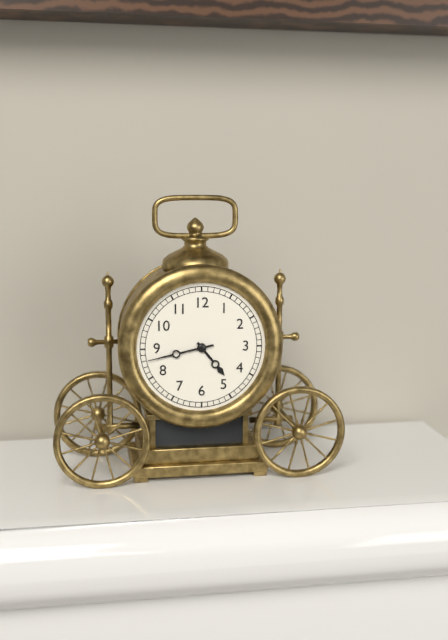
4:43
